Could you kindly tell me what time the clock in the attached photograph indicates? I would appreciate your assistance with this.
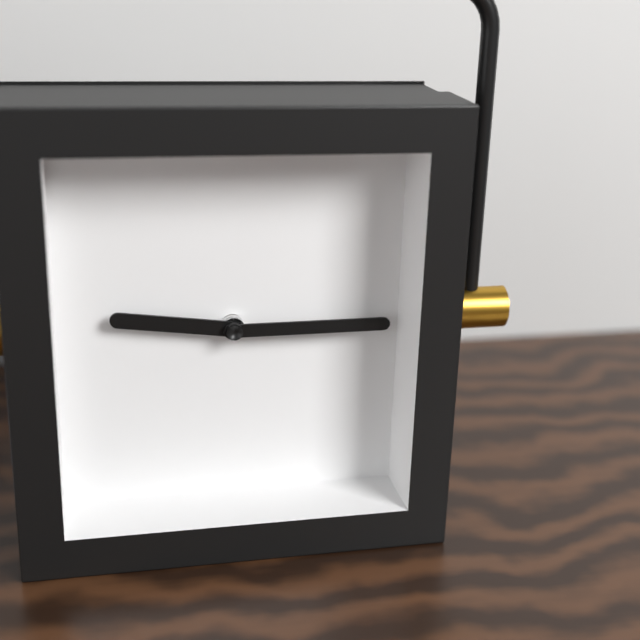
9:15
